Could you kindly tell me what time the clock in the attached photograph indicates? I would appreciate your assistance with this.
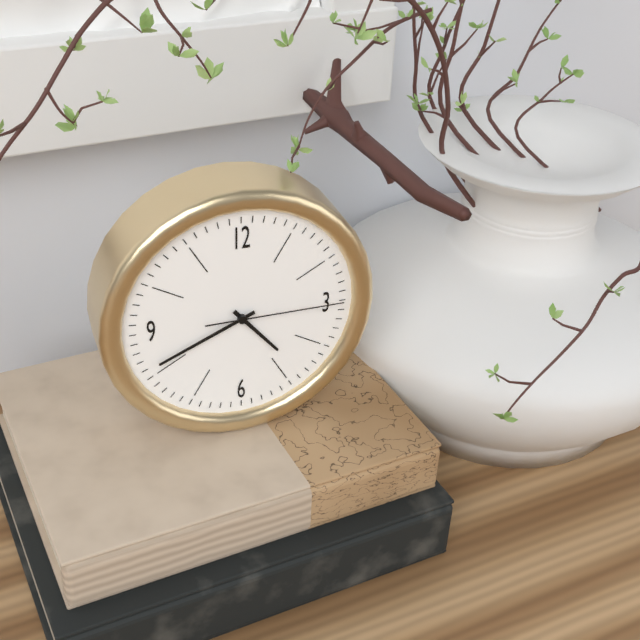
4:41:15
